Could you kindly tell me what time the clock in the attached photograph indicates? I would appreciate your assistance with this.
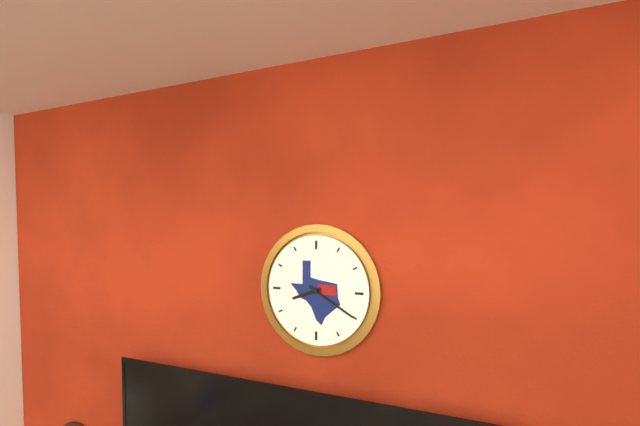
8:20
